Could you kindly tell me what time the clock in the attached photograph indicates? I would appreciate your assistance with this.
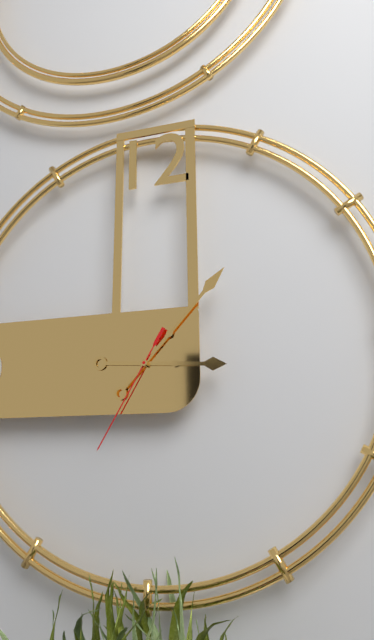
3:07:35
